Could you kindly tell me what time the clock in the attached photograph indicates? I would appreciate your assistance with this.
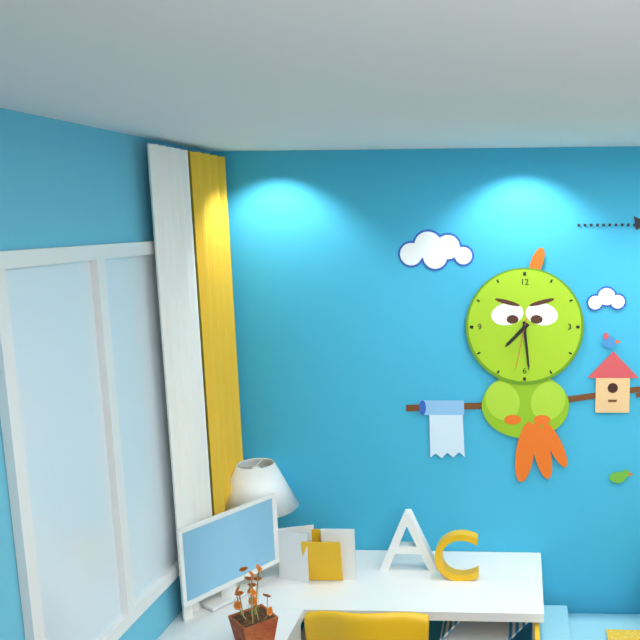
7:29:32
